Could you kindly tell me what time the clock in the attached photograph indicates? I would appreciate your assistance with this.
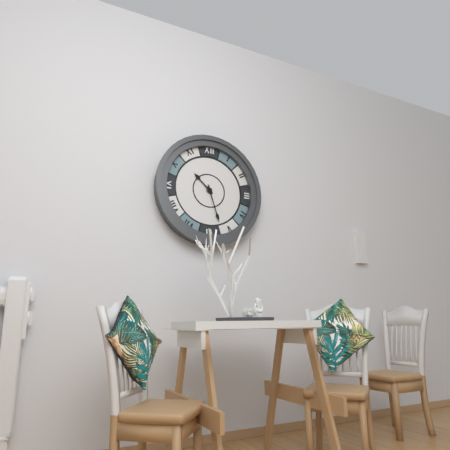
10:27
